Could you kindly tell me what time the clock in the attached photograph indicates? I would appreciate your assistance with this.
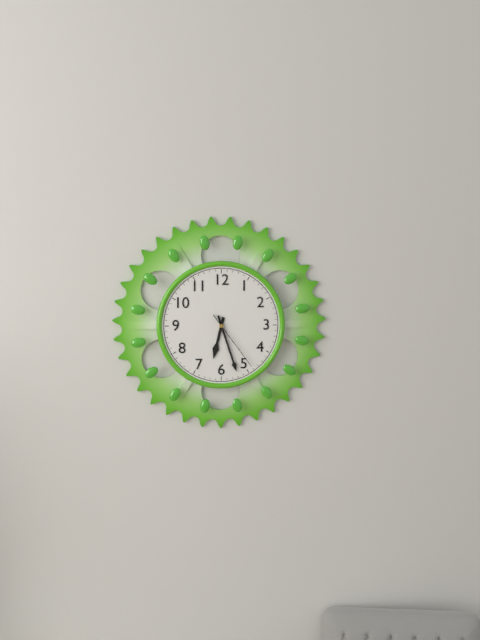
6:27:24
